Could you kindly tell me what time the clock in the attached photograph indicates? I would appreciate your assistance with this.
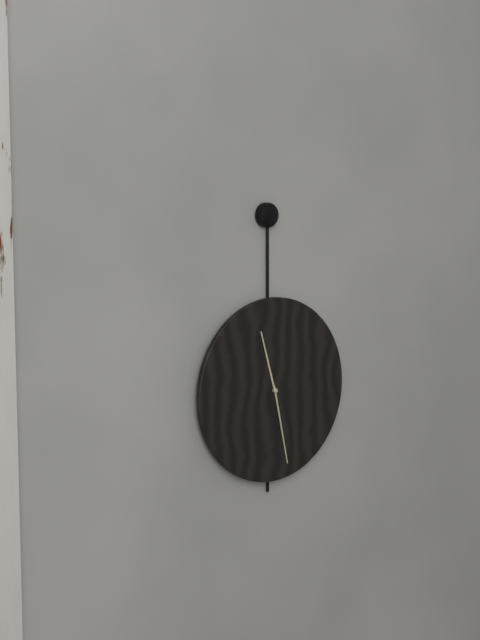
11:28
